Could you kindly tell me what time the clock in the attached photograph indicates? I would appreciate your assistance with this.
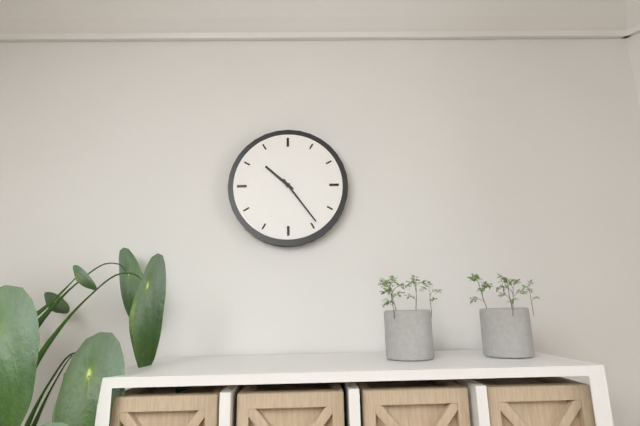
10:24
